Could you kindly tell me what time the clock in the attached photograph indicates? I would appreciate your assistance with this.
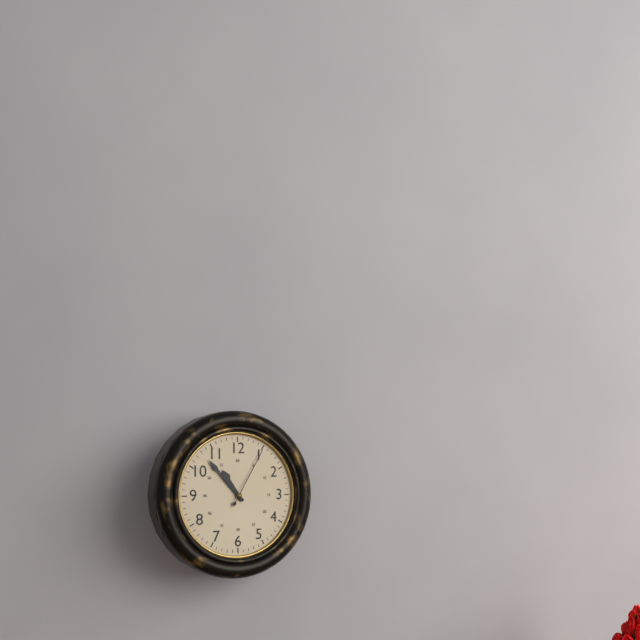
10:53:05
